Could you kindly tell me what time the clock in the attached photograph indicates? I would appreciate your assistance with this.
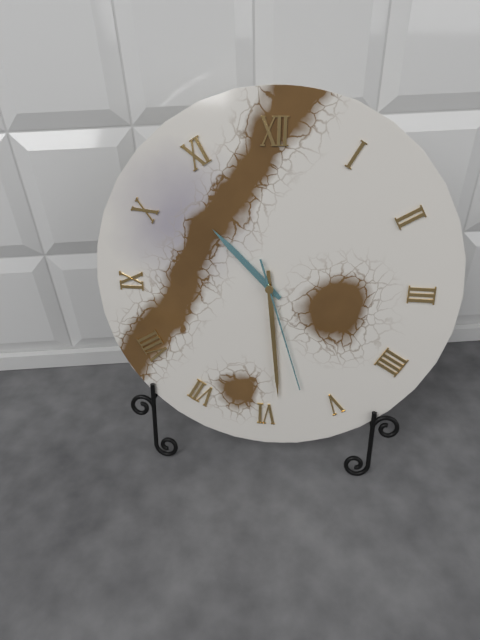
10:29:27
